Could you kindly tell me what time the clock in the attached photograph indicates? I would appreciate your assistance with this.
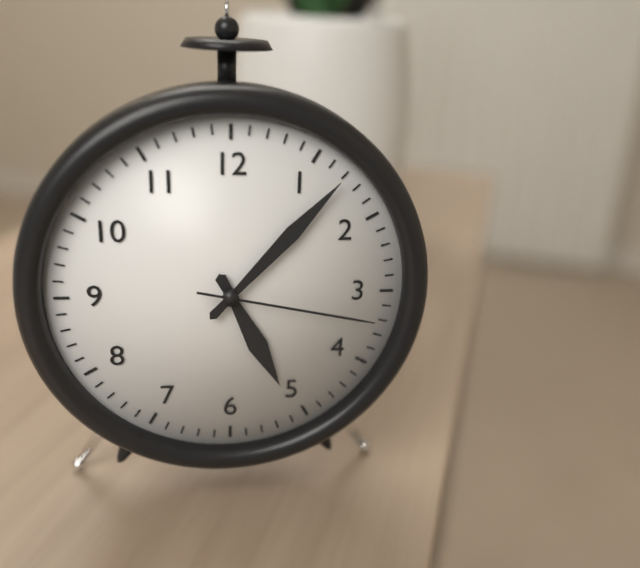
5:07:17
